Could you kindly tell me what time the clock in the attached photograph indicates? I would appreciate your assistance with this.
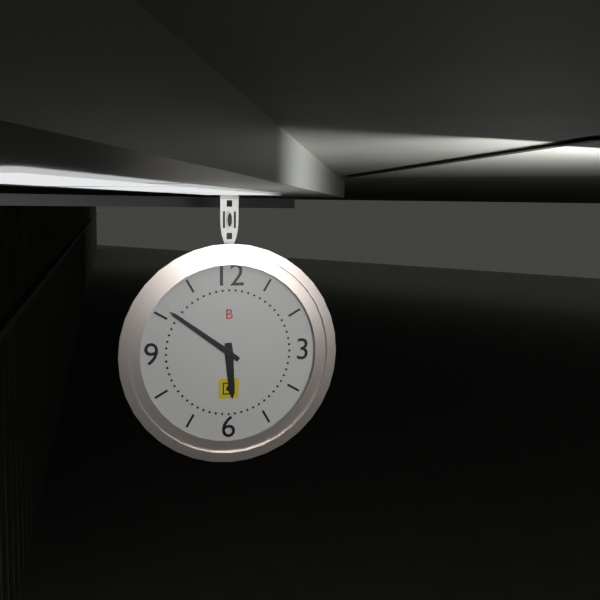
5:51
